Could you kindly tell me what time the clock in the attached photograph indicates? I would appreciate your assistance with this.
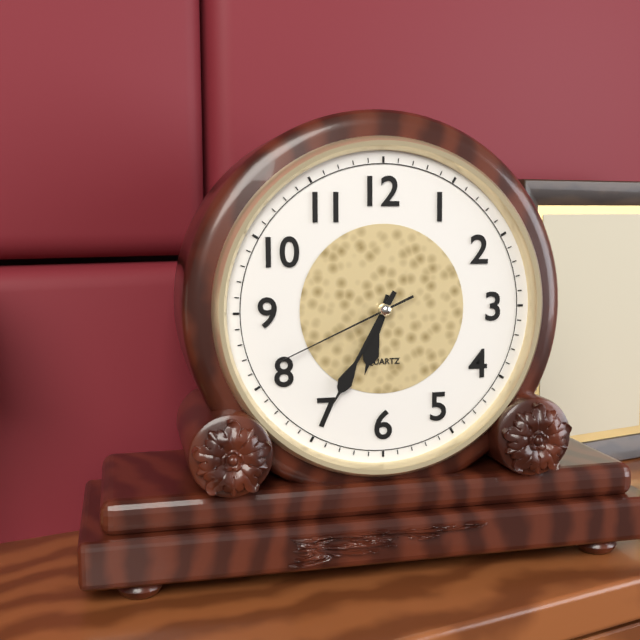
6:35:41
